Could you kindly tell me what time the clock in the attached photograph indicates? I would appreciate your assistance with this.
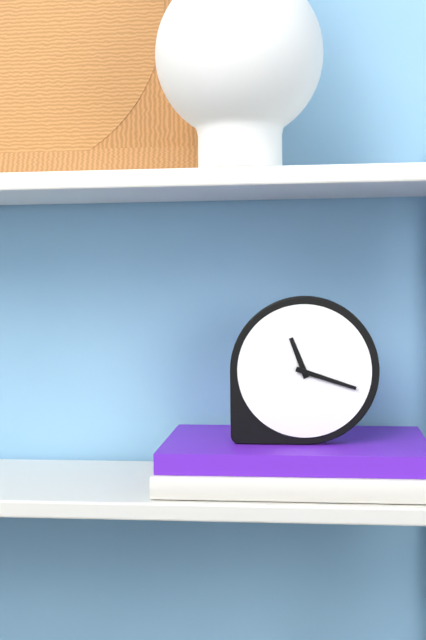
11:18
